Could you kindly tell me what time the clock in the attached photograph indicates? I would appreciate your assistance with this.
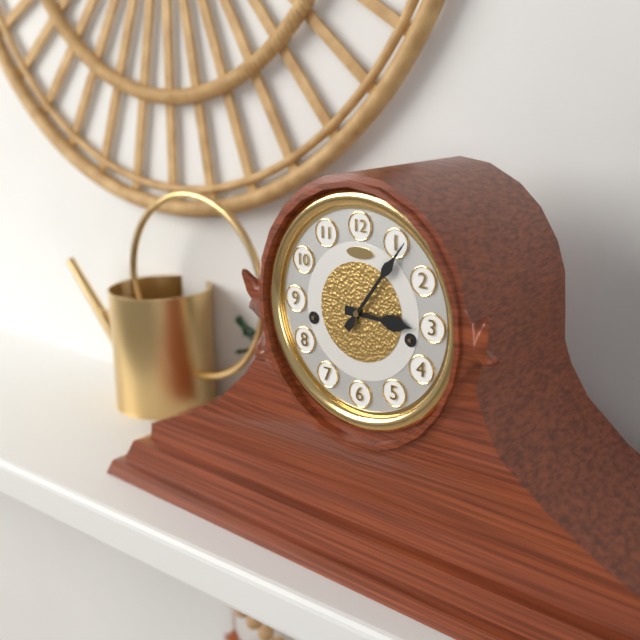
3:06
